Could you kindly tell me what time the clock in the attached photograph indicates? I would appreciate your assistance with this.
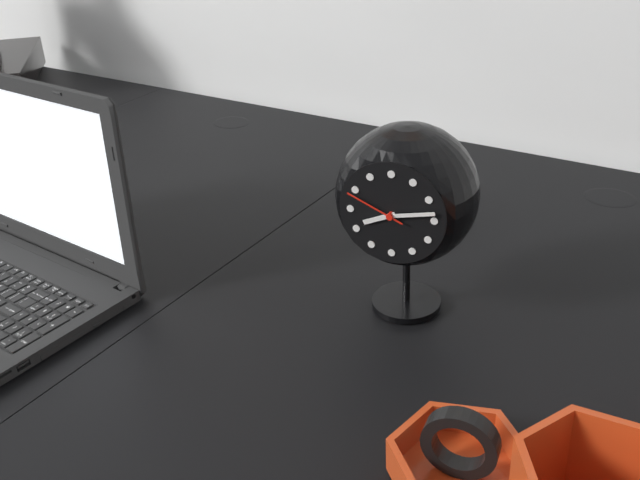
8:13:49
